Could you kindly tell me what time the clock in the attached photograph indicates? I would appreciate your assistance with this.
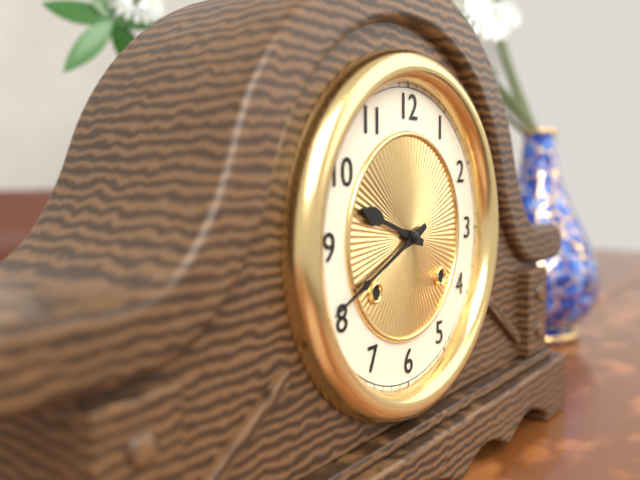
9:41
